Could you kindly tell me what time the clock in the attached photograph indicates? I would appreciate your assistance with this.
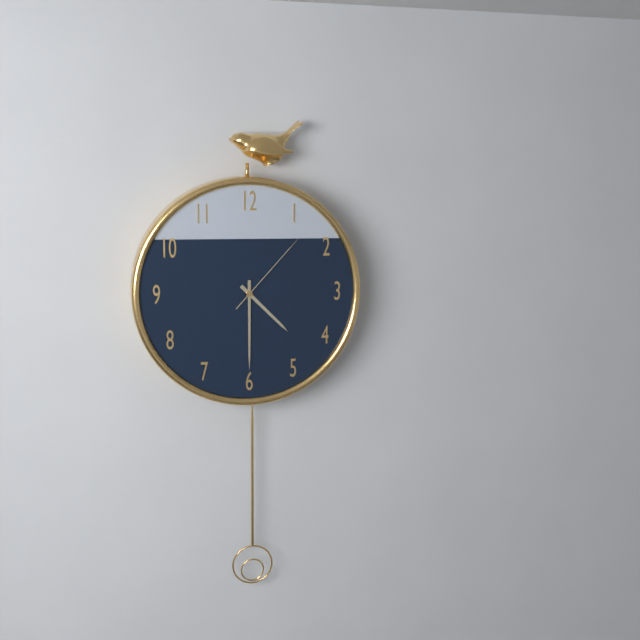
4:30:07
